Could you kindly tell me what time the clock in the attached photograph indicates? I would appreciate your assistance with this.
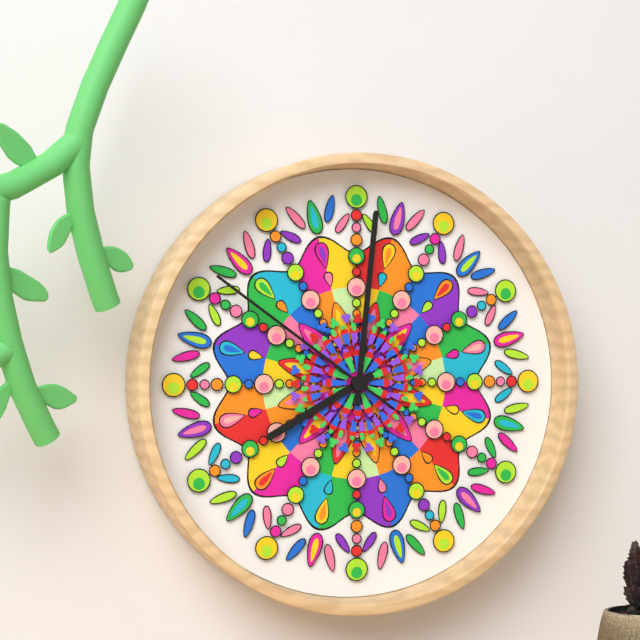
8:01:51
